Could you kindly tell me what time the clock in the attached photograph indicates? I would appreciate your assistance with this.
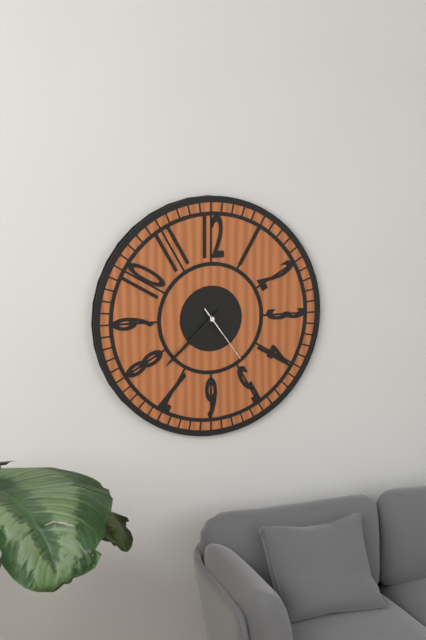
4:38:24
